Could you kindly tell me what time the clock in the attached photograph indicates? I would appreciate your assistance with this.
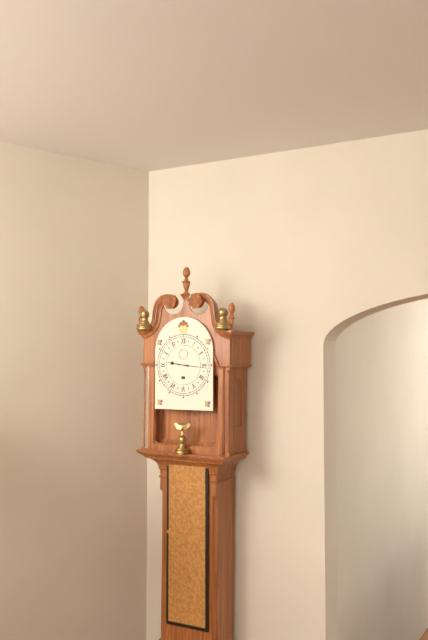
9:16
